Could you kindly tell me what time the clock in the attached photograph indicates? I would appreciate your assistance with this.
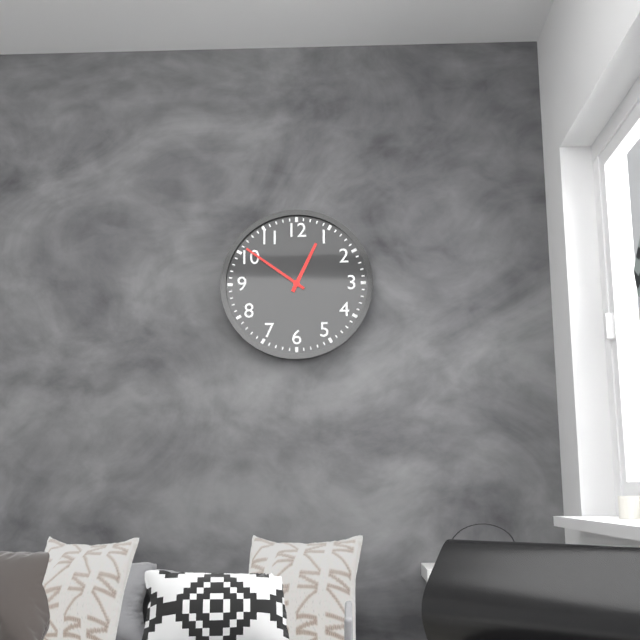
12:51
